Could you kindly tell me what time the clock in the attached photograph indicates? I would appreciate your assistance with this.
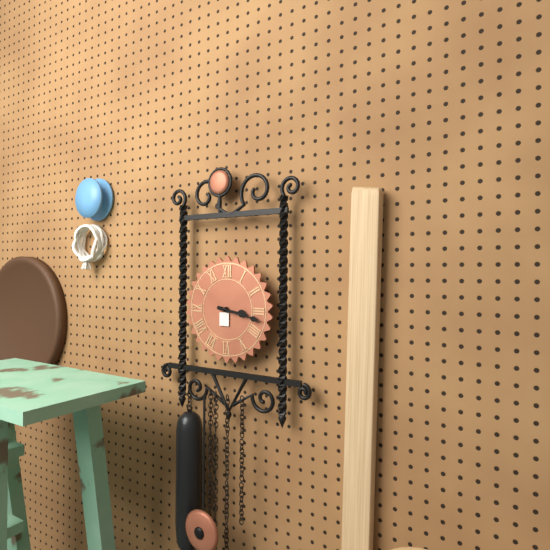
3:17
